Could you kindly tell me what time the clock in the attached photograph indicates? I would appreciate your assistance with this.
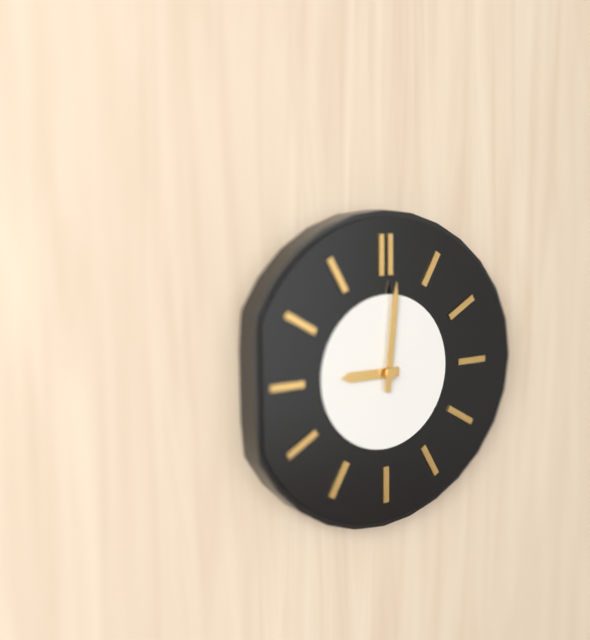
9:01
